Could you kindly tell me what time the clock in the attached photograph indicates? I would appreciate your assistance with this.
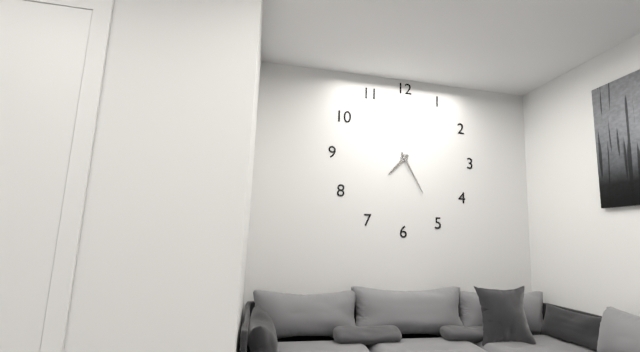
7:25
